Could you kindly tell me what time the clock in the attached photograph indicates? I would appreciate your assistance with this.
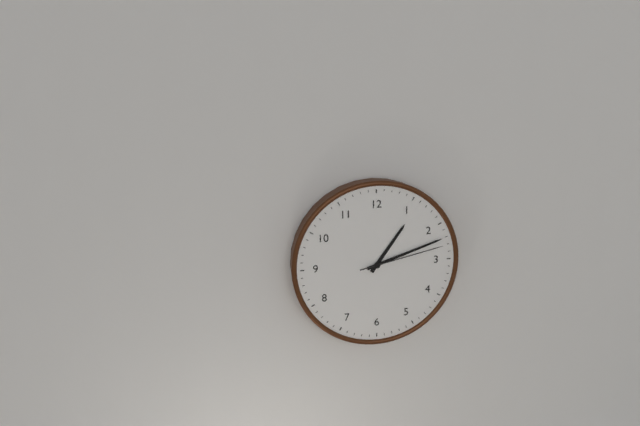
1:12:13
